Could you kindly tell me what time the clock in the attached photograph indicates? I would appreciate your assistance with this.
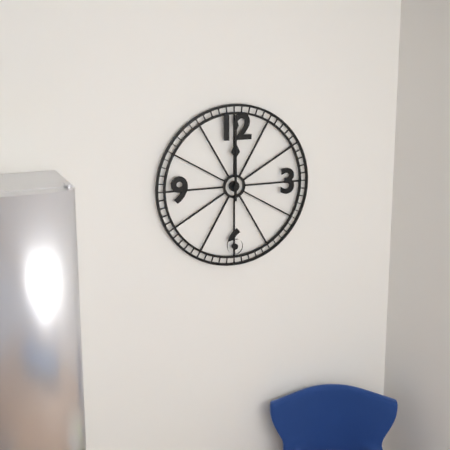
12:00
